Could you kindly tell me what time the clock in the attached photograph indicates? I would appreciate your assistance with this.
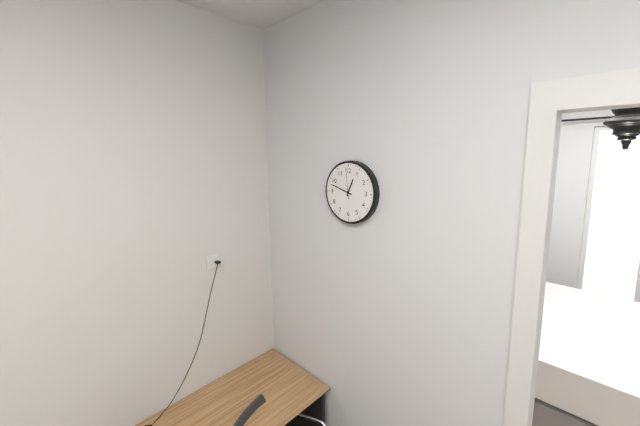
12:48
